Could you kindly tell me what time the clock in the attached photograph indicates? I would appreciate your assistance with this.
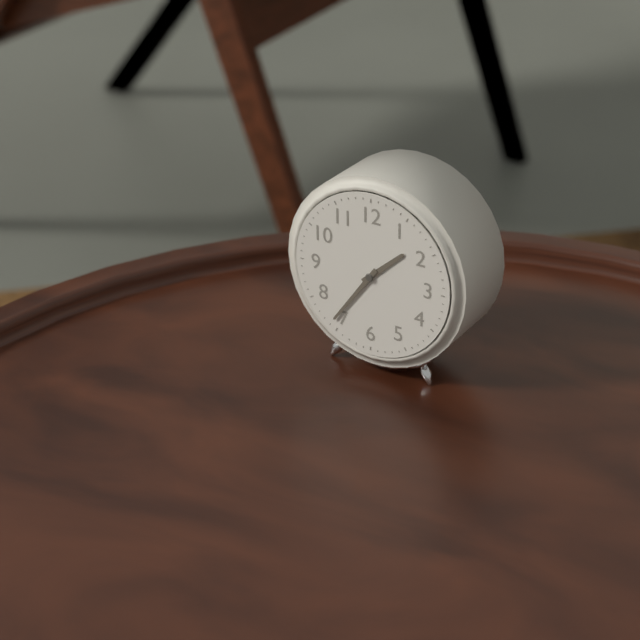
1:36
